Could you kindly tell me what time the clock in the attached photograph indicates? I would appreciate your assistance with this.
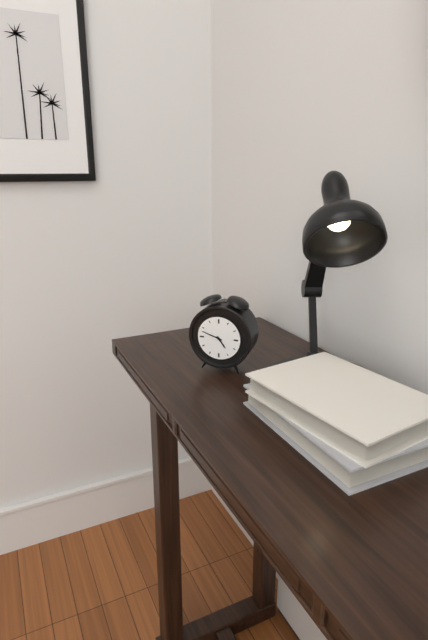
4:48
